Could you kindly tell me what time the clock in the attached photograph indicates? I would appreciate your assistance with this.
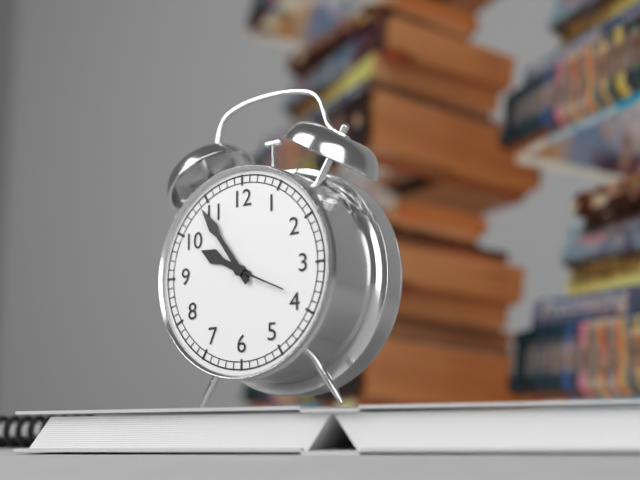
9:54:19
